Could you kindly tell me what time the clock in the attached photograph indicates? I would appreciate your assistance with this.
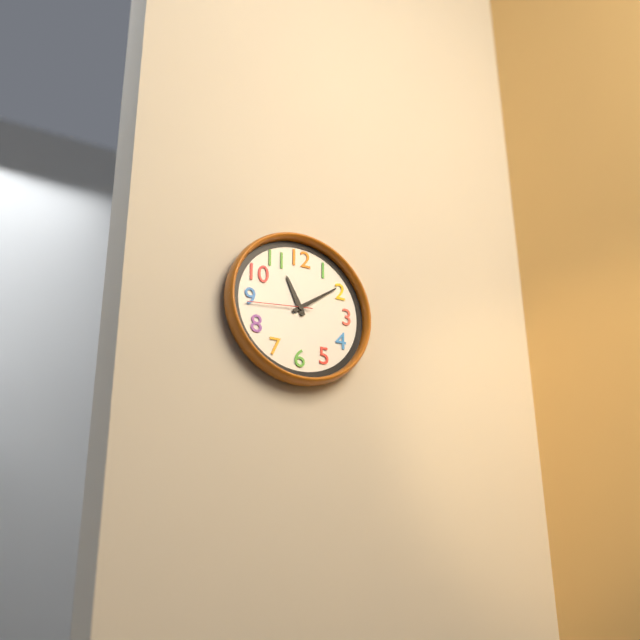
11:09:44
